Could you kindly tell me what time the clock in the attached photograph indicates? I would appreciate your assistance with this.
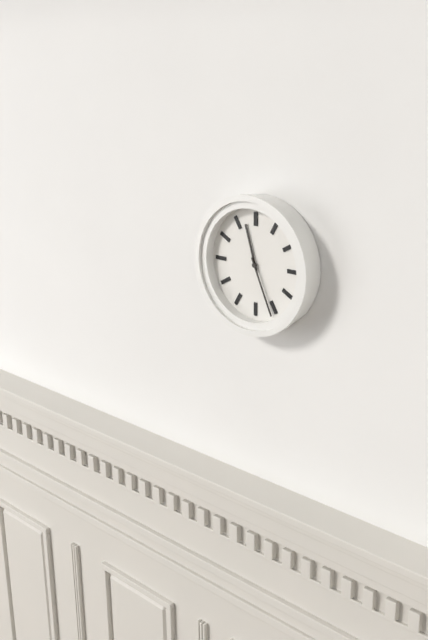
11:26
